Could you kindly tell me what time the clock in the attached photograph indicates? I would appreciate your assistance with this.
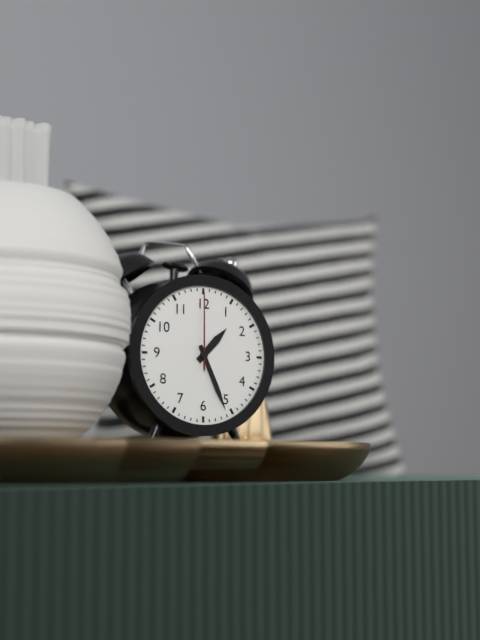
1:26:00
